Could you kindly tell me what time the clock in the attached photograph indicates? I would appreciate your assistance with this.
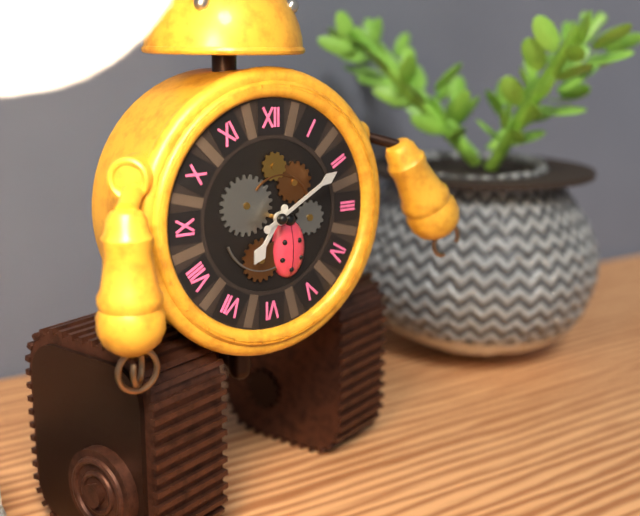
7:10
